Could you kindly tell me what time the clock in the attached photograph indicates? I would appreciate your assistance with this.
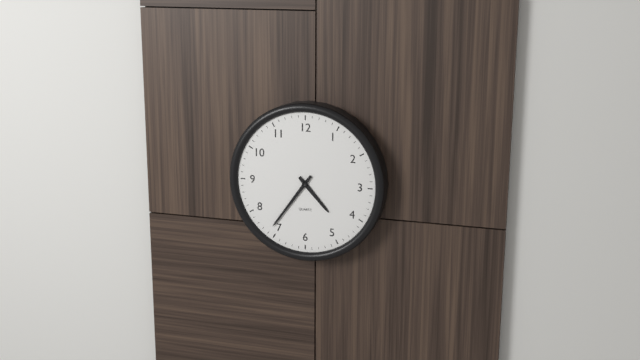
4:36
